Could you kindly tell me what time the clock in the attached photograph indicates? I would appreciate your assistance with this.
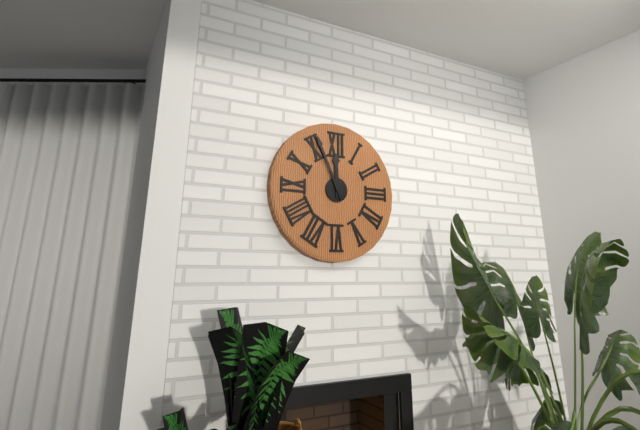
11:56
